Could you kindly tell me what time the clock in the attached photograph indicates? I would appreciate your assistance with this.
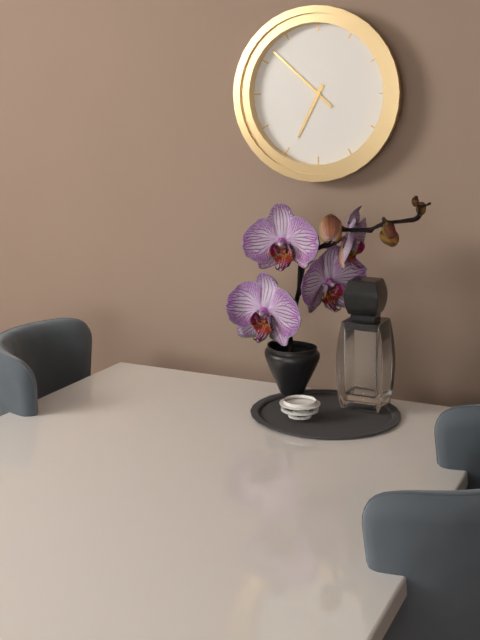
6:52
